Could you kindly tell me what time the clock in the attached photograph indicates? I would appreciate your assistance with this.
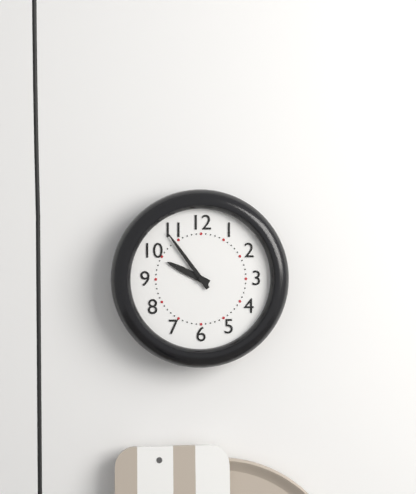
9:54
